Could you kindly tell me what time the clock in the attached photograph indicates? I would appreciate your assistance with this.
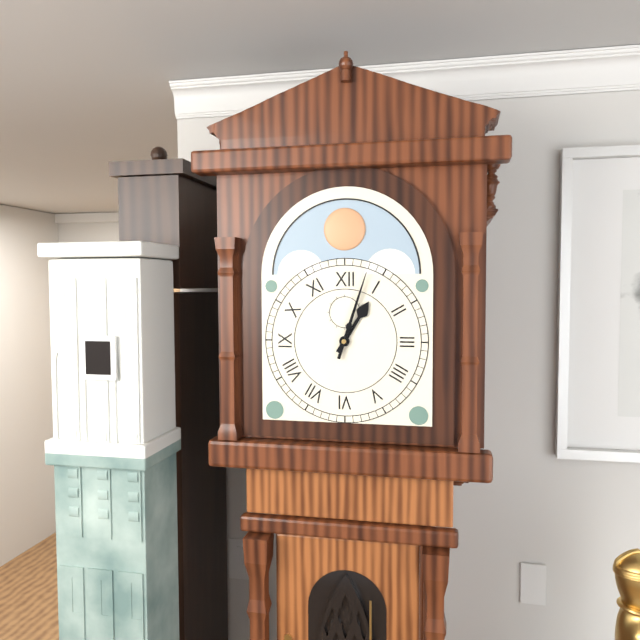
1:03
